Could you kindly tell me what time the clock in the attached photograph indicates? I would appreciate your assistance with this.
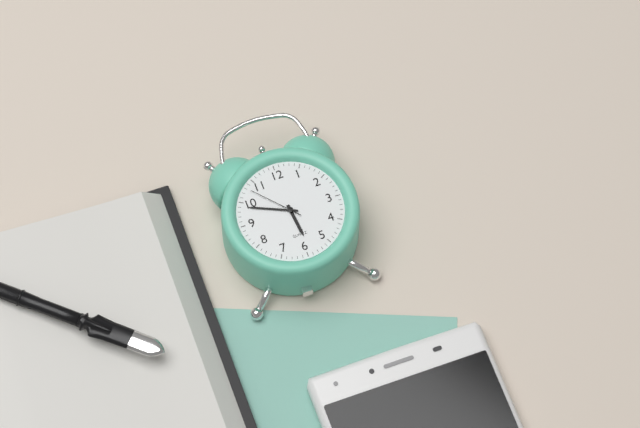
5:49:53
